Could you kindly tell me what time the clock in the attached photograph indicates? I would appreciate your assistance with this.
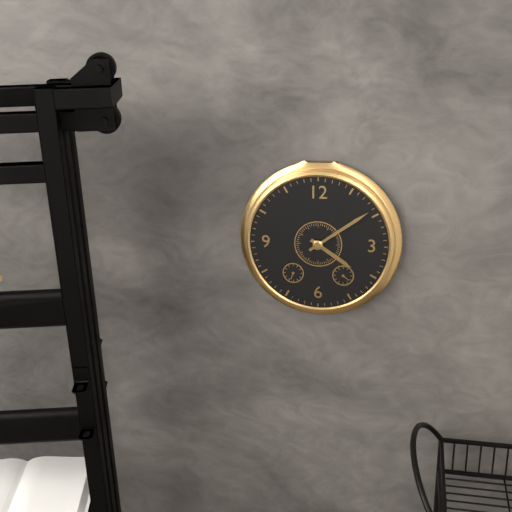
4:09
